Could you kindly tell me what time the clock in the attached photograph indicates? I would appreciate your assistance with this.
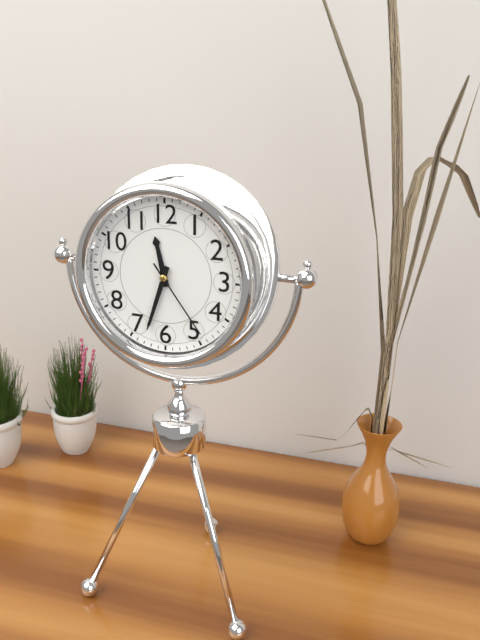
11:33:24
